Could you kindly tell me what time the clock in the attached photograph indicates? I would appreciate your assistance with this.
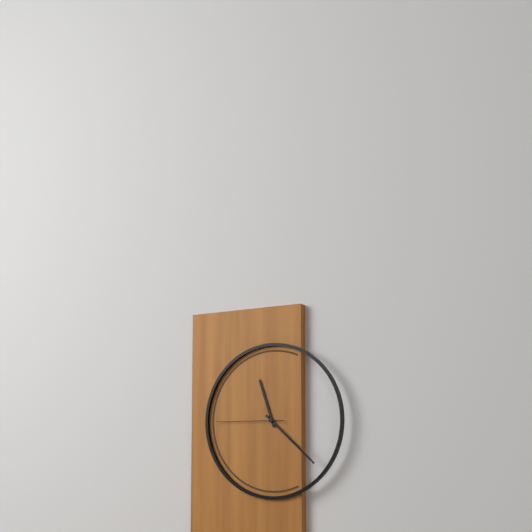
11:22:45
